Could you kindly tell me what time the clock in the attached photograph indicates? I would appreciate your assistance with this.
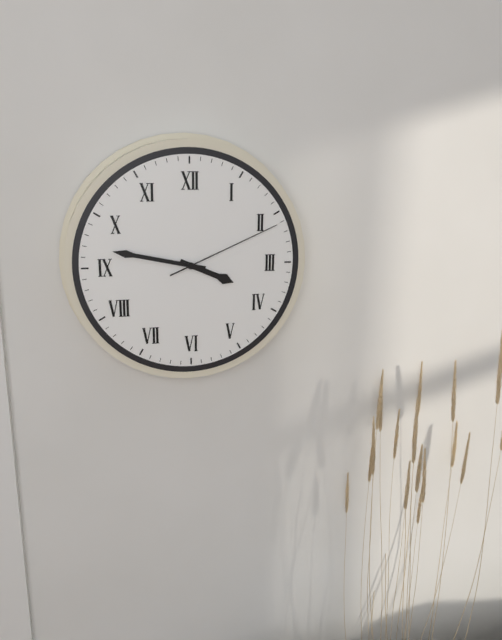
3:47:11
